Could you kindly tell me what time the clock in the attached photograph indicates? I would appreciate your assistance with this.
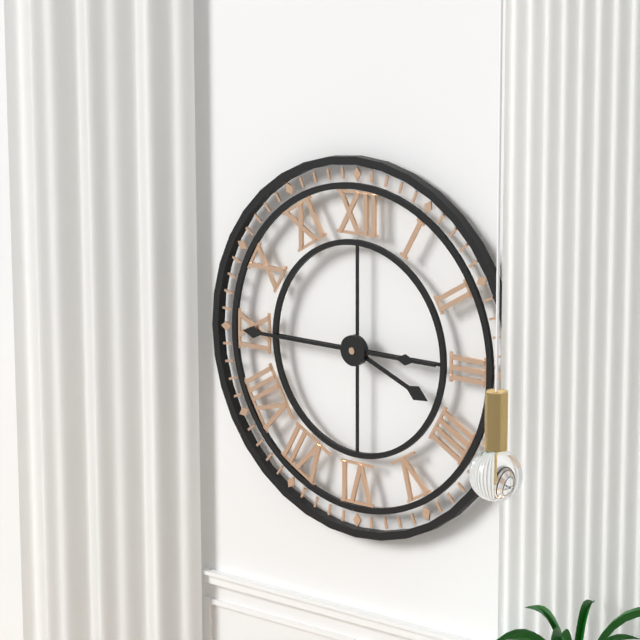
3:45
